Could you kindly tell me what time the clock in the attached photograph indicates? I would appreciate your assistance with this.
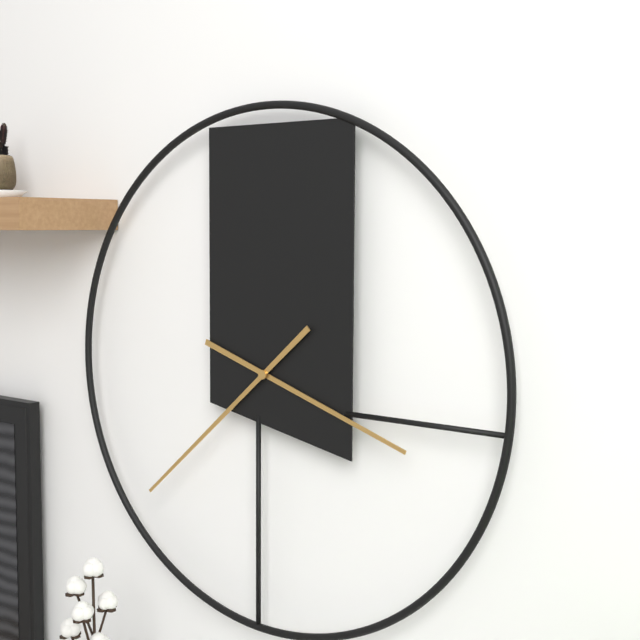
3:38
